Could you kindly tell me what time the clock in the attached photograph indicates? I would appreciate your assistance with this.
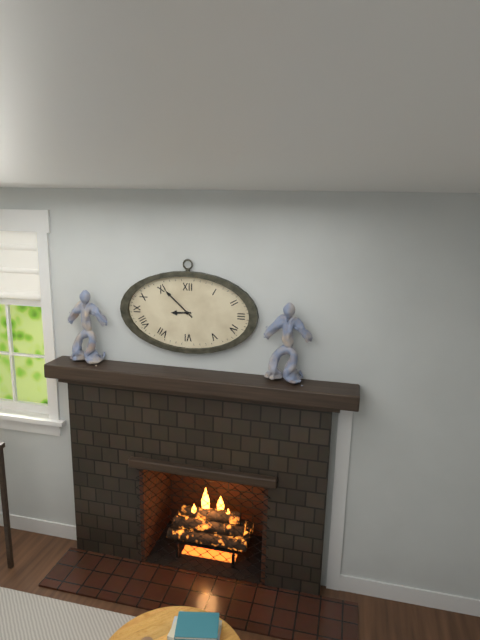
8:52
